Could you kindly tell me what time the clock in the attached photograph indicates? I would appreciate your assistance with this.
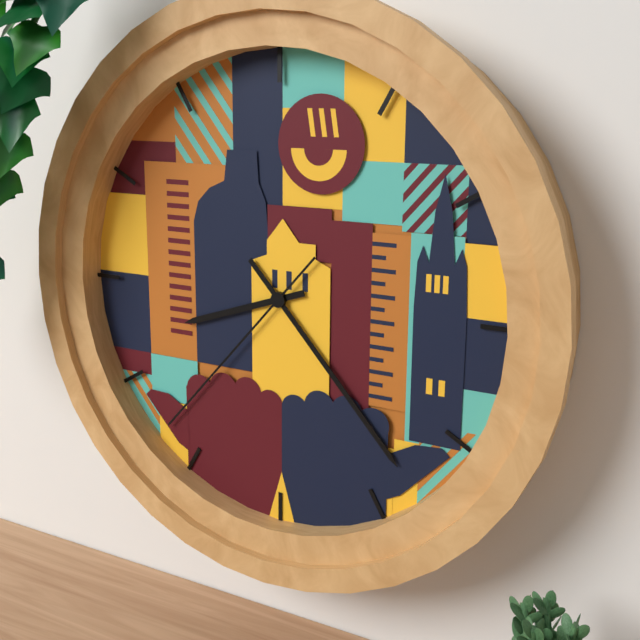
8:23:37
